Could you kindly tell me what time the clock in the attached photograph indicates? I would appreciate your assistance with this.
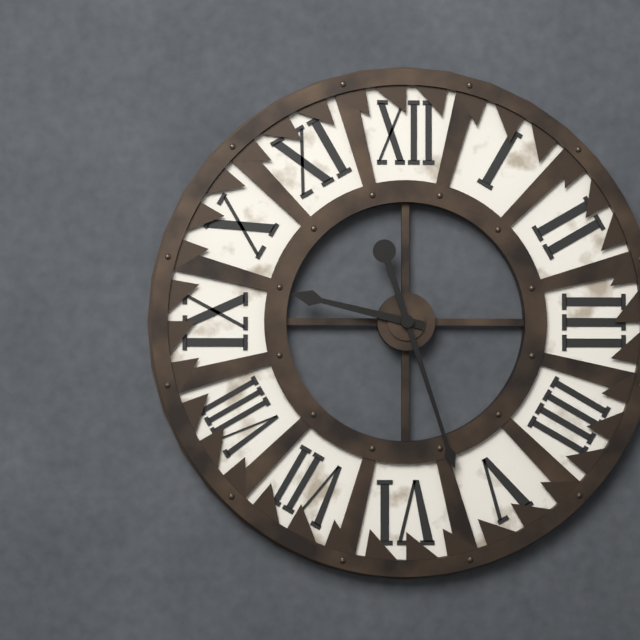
9:27
